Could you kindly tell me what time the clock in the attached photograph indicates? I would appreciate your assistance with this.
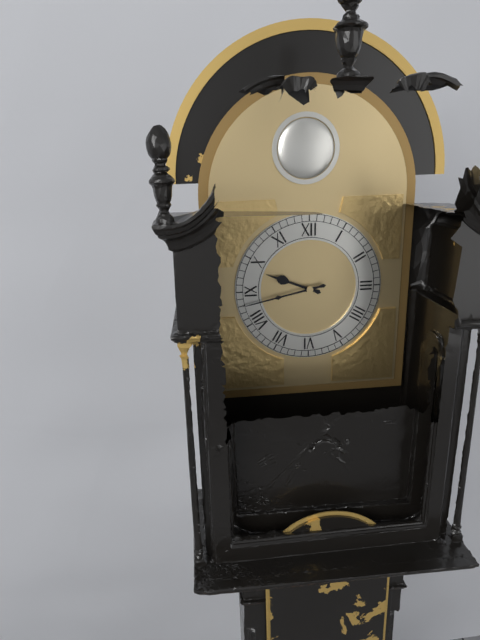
9:43
